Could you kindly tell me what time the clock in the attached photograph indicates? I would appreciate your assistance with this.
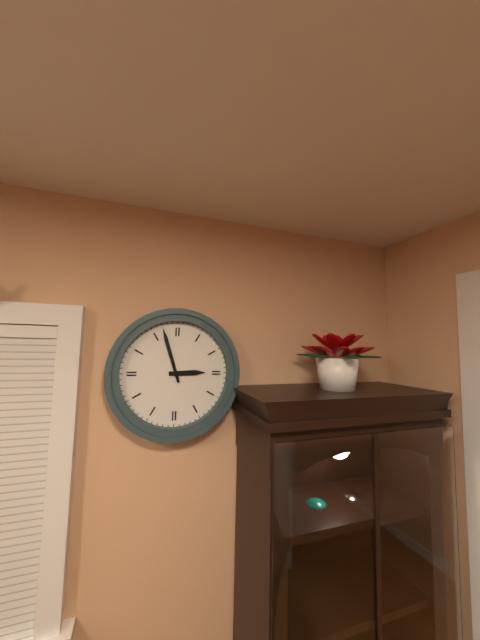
2:57
